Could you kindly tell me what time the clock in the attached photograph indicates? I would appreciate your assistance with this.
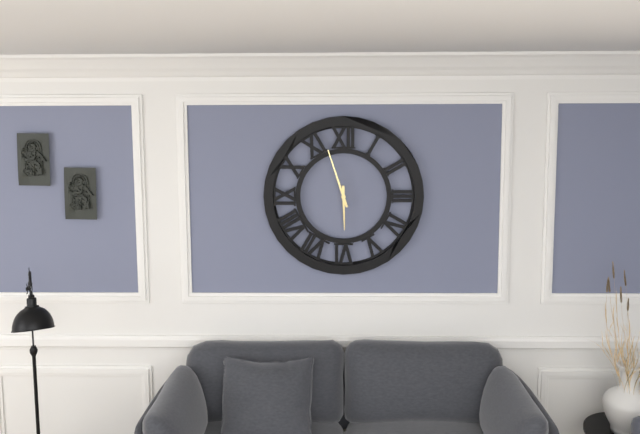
5:57
